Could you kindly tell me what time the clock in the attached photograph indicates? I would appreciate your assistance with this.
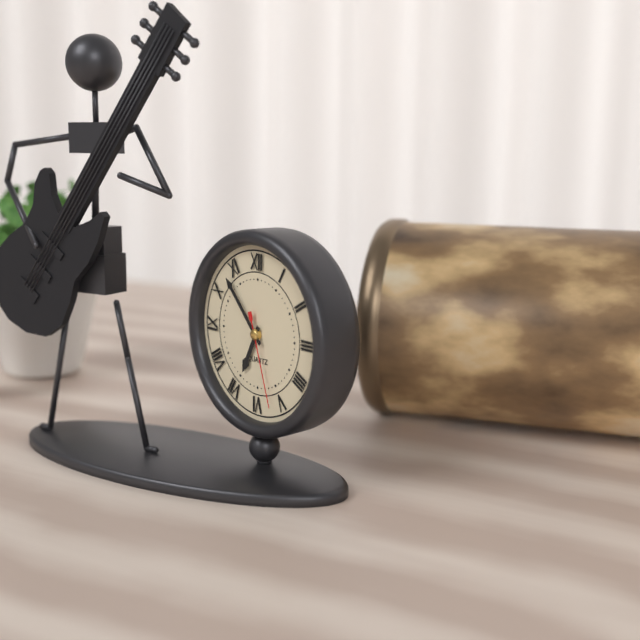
6:53:27
